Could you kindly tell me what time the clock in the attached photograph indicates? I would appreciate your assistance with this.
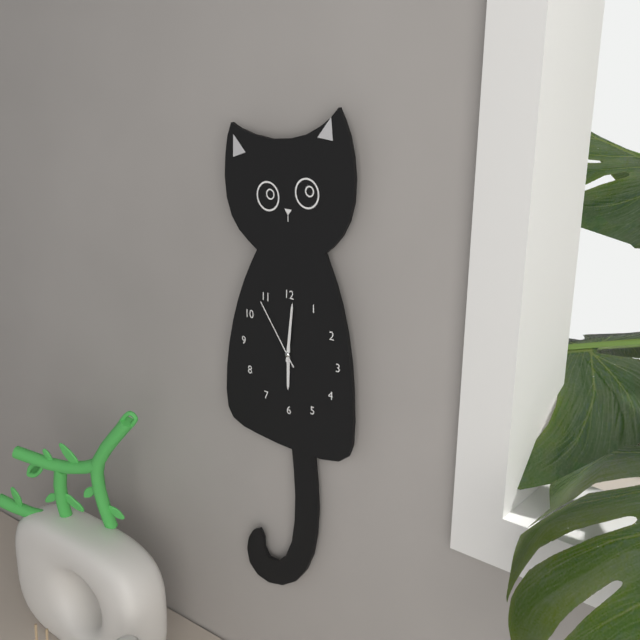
6:01:54
